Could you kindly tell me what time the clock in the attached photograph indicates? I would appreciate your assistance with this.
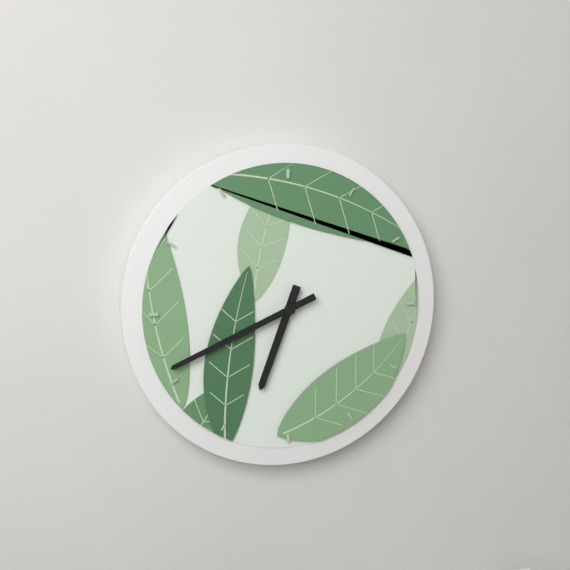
6:41
